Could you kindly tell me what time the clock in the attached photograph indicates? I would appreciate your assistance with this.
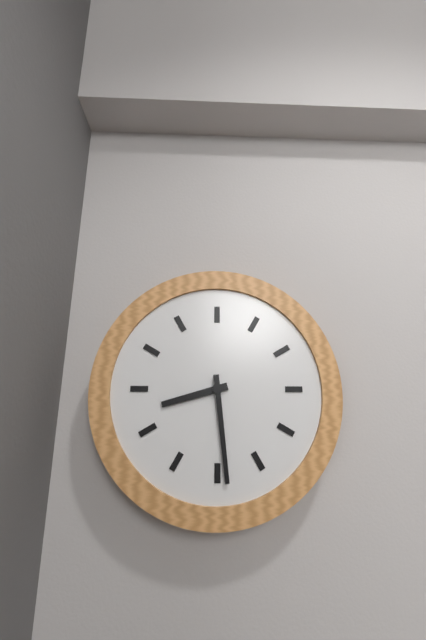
8:29
